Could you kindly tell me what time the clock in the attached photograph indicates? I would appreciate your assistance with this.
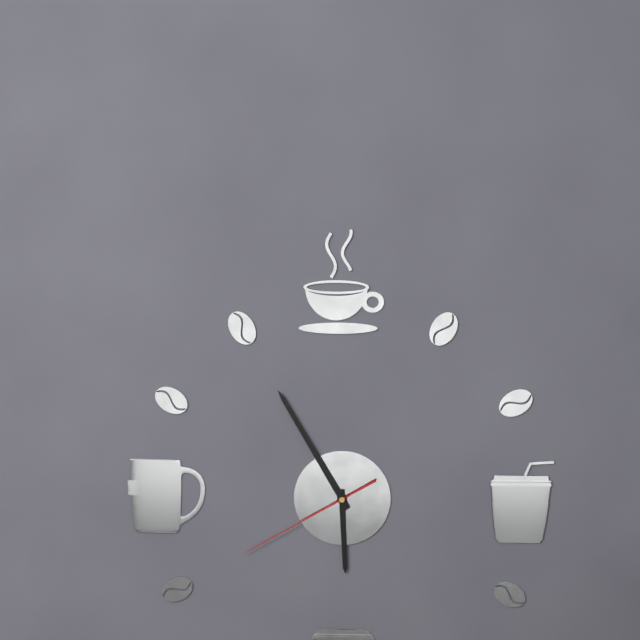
5:55:40
